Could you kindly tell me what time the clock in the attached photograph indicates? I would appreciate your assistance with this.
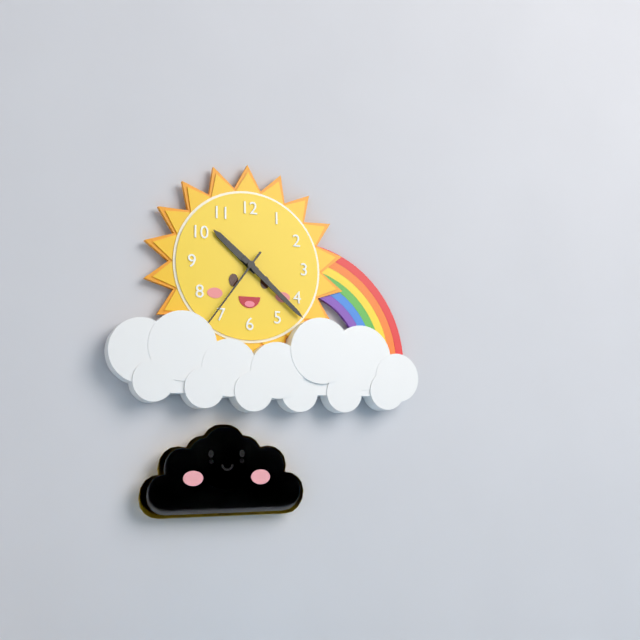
10:22:36
